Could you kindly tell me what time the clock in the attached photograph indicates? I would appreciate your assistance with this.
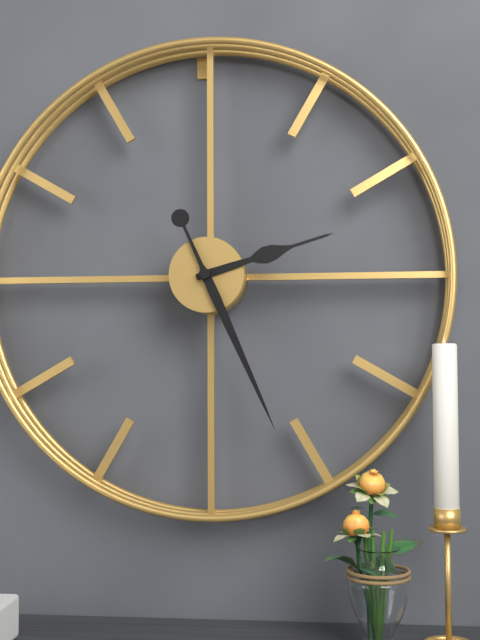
2:26
